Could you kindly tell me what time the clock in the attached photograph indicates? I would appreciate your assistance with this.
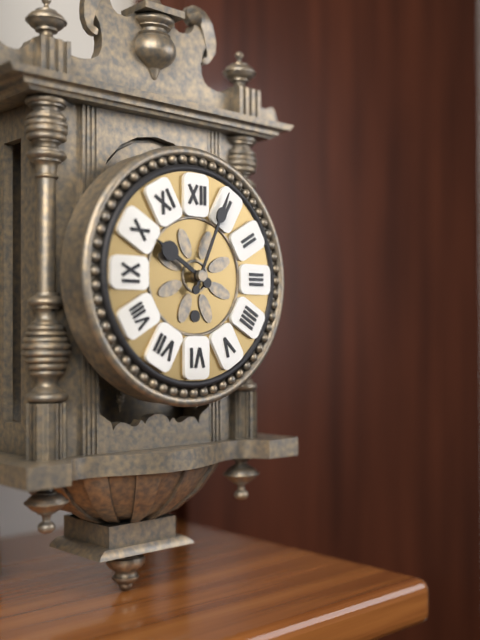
10:04
